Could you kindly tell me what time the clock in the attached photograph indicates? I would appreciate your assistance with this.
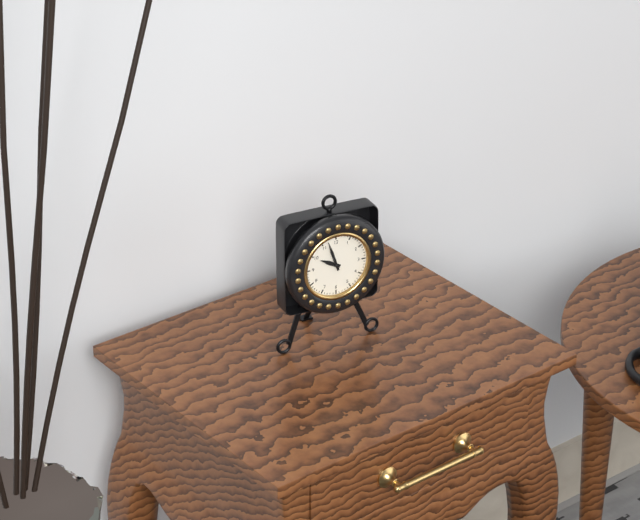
9:57
